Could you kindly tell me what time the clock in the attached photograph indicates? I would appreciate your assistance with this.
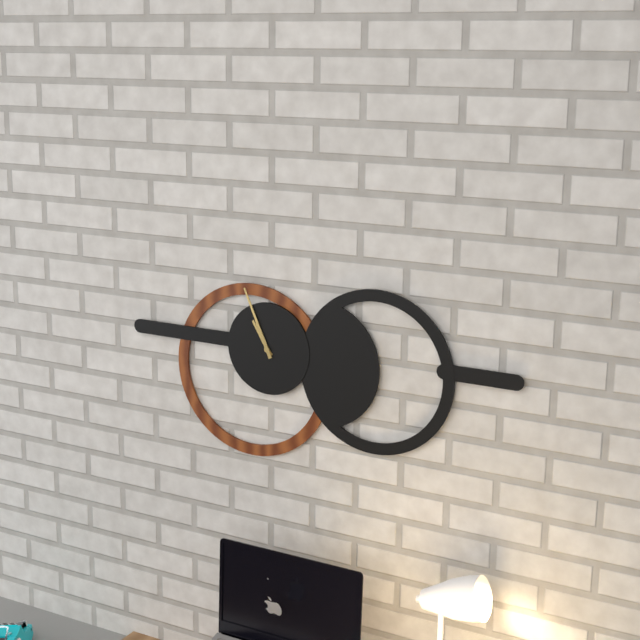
10:56
